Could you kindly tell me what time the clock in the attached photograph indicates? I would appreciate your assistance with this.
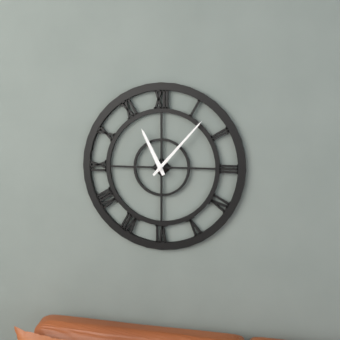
11:07
